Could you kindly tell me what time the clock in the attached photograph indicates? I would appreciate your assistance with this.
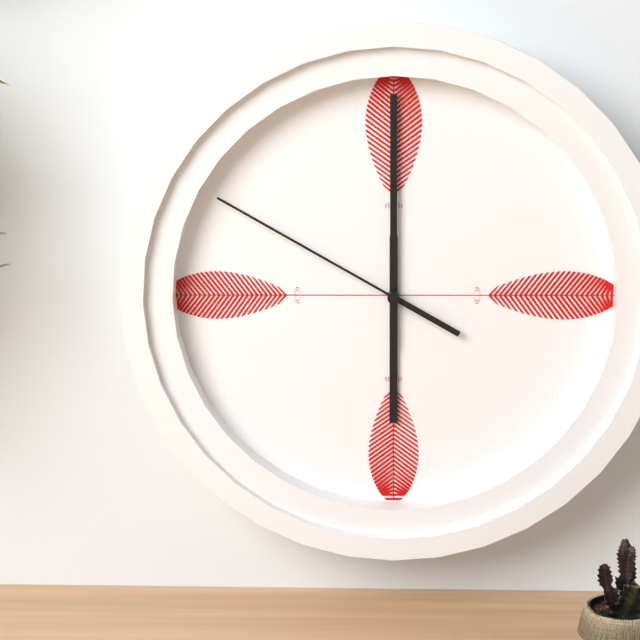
6:00:50
